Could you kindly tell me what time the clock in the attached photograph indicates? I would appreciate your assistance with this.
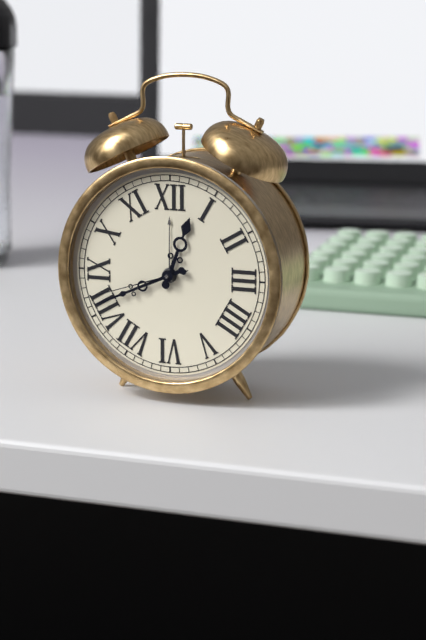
12:41:42
